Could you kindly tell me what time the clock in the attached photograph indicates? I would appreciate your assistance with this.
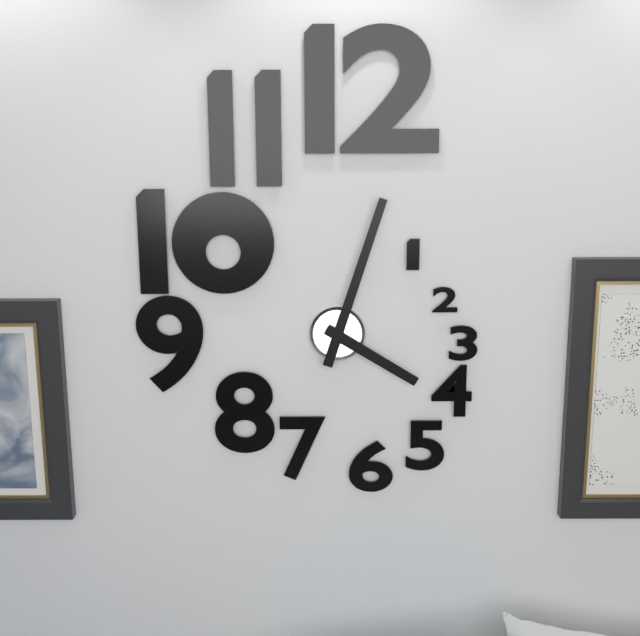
4:03
